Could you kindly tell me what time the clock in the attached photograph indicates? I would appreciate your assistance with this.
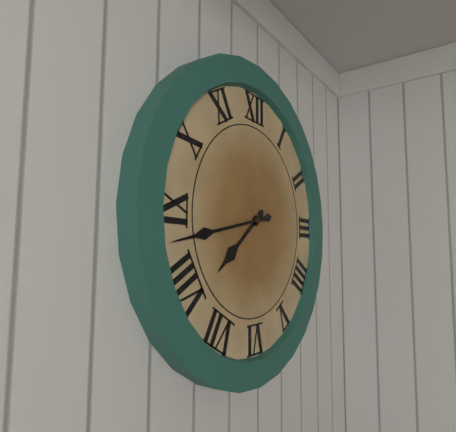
7:43
